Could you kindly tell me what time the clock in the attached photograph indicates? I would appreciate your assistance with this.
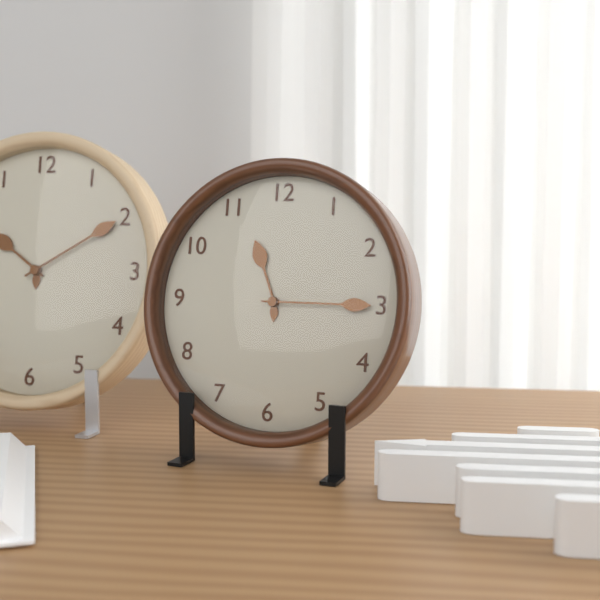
11:15
